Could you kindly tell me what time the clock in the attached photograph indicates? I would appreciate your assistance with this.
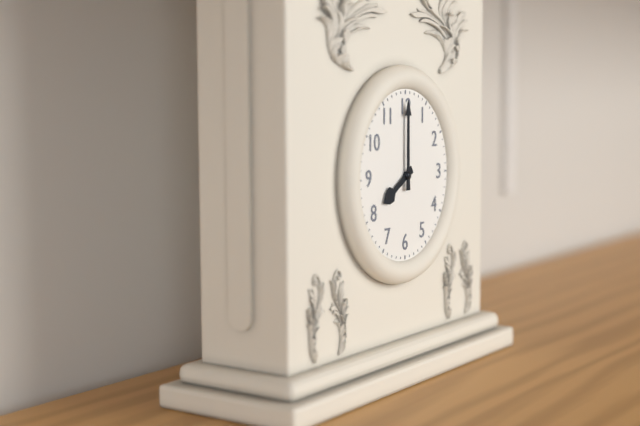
8:00
